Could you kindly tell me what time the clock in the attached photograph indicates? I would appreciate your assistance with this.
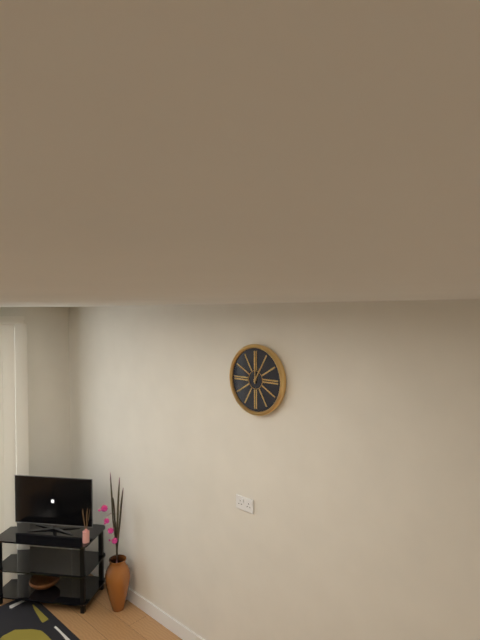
1:00
